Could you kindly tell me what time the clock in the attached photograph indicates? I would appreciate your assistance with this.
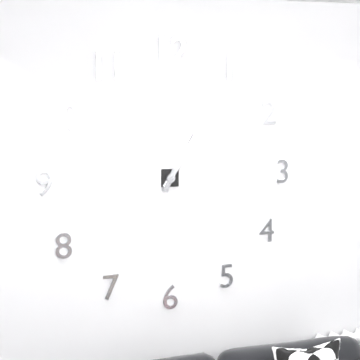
1:04
